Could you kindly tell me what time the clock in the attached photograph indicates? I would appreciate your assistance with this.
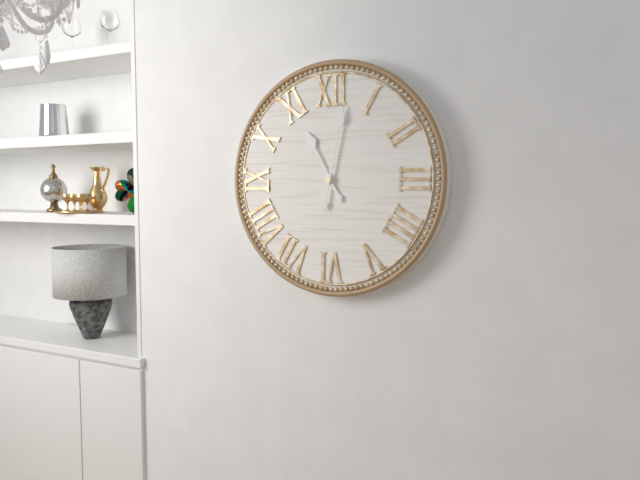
11:02
